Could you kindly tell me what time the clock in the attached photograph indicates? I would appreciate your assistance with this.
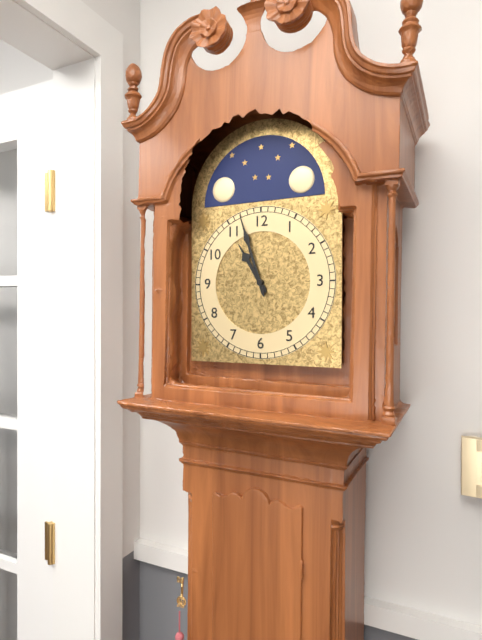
10:57
